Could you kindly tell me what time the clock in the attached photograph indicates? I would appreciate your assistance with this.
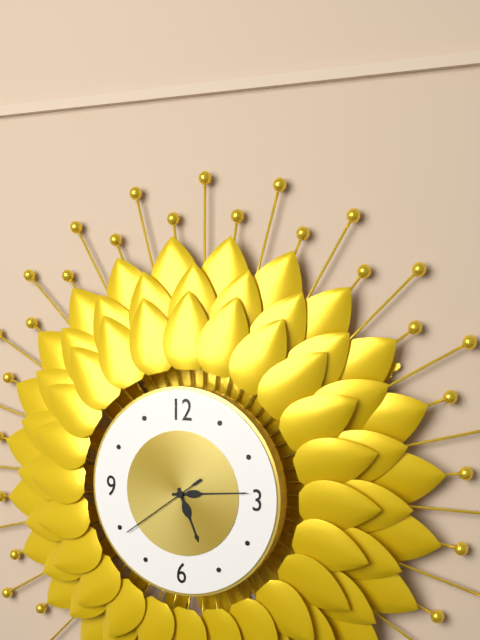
5:14:39
